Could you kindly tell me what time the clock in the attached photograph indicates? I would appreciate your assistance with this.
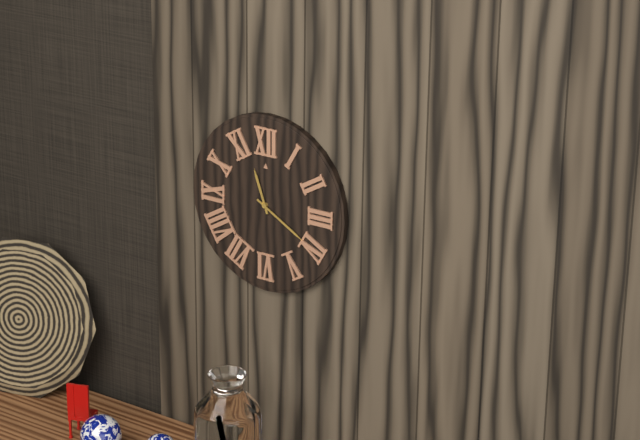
11:20
